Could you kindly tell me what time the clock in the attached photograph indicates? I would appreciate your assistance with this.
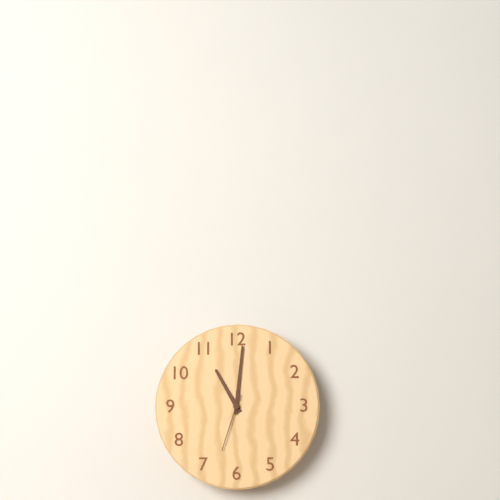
11:01:33
